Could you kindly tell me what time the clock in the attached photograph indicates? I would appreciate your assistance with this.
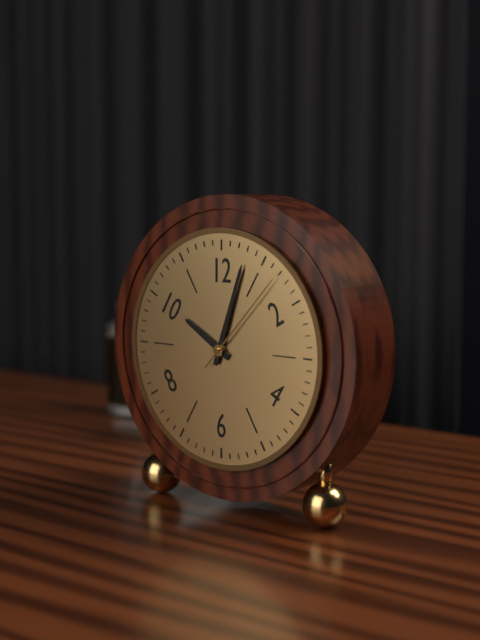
10:03:07
